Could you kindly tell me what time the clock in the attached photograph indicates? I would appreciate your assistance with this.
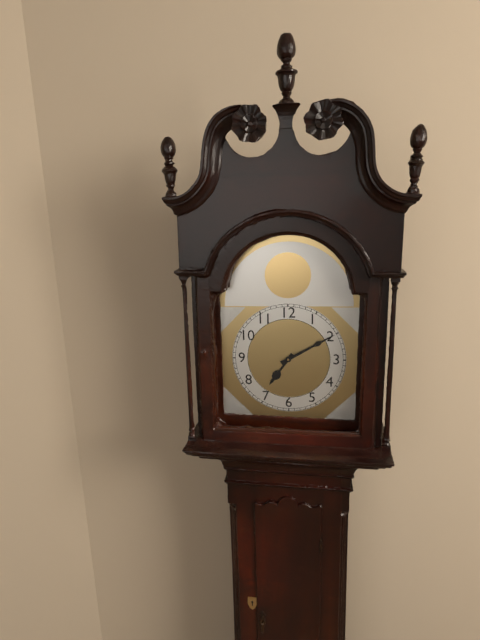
7:10
